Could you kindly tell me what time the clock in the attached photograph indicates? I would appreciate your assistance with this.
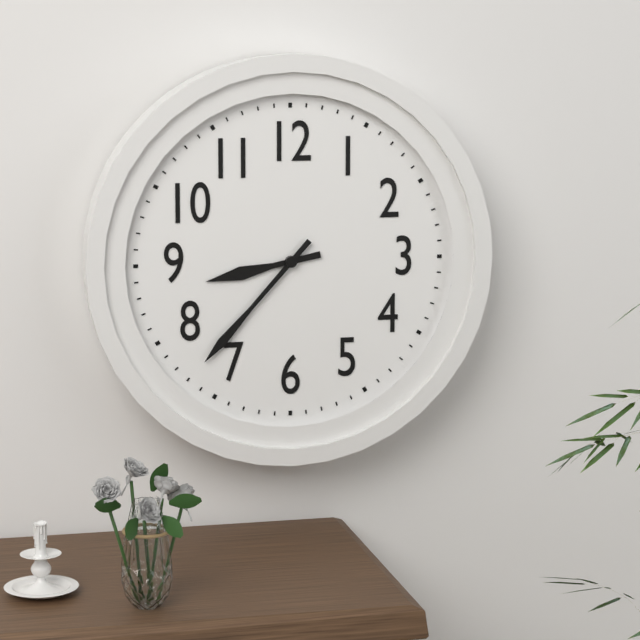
8:37
